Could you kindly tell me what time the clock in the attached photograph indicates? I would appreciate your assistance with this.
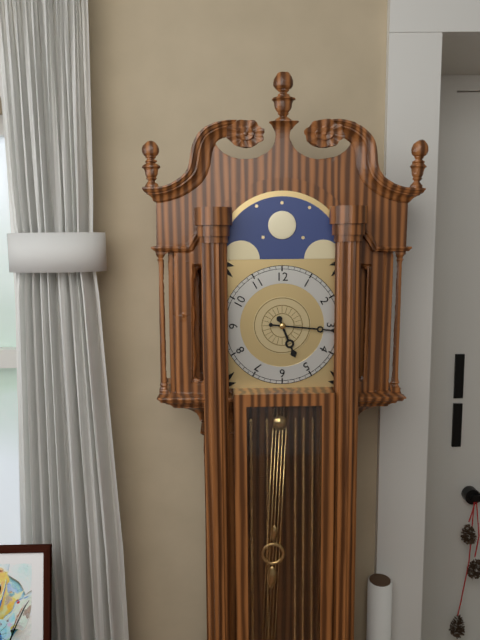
5:16
